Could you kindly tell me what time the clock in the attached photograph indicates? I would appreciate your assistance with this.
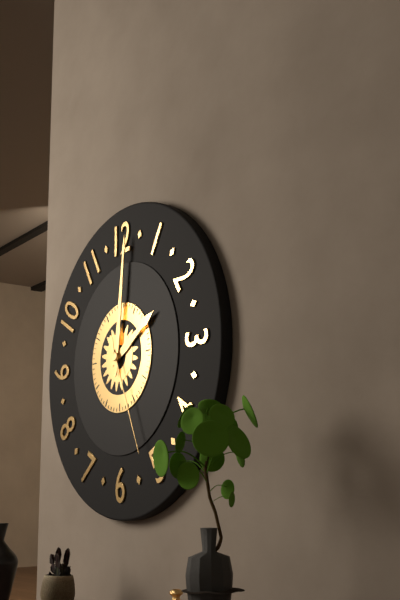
2:01:26
